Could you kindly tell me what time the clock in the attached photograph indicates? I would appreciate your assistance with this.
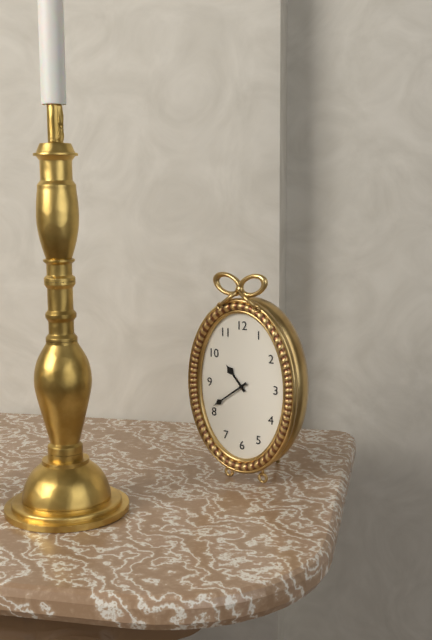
10:39
